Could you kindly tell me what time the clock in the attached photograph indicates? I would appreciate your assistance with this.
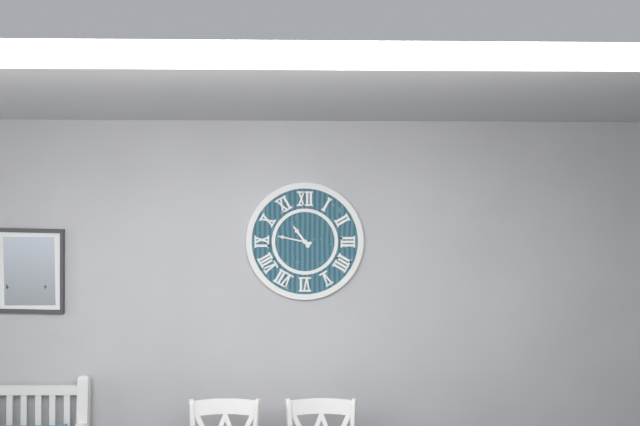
10:47
